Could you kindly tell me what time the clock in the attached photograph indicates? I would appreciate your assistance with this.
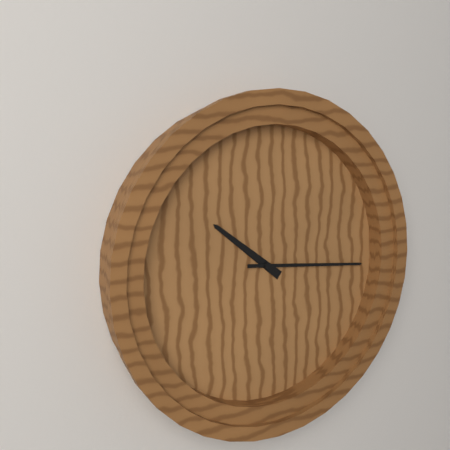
10:16
